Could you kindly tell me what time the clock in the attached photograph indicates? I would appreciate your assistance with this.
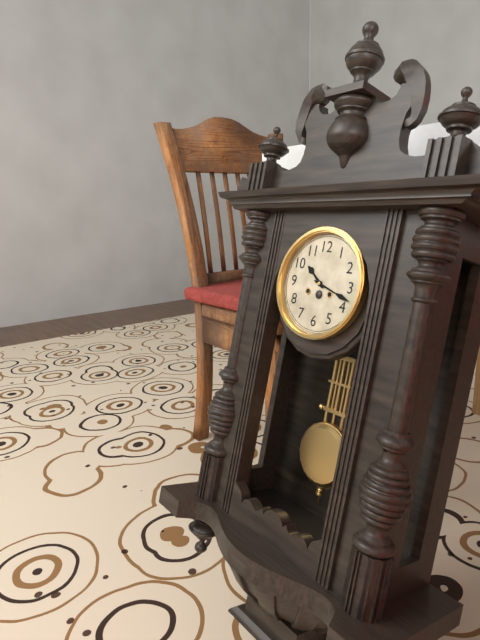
10:18
